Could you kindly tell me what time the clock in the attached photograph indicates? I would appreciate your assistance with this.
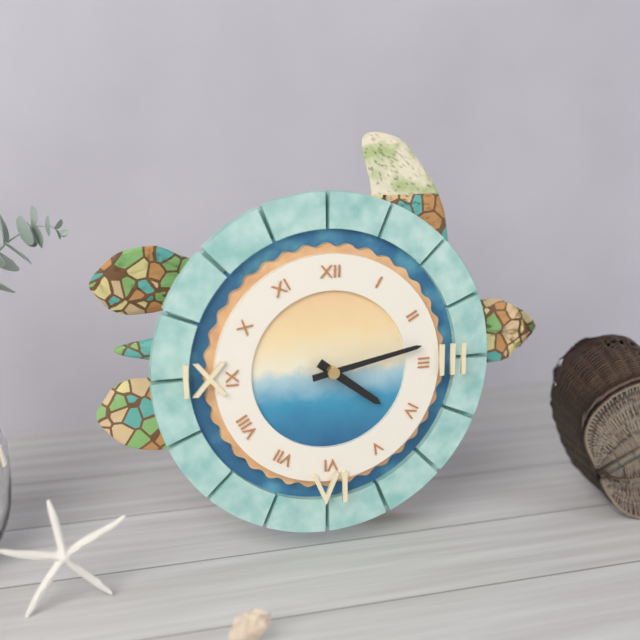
4:13
